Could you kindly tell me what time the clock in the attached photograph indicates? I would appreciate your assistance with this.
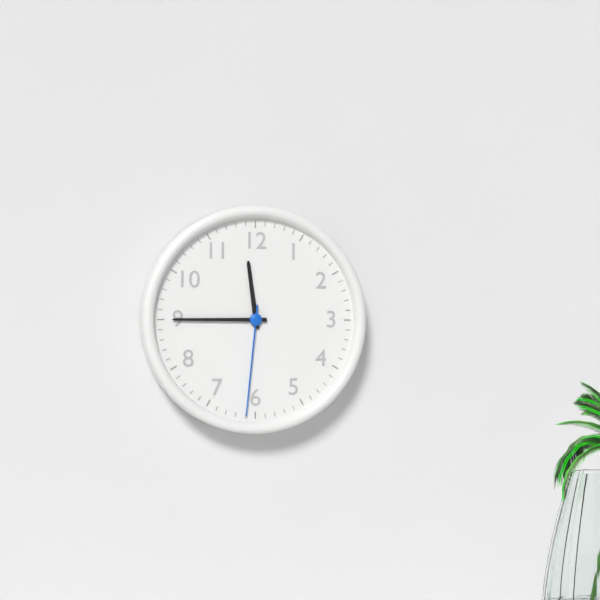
11:45:31
